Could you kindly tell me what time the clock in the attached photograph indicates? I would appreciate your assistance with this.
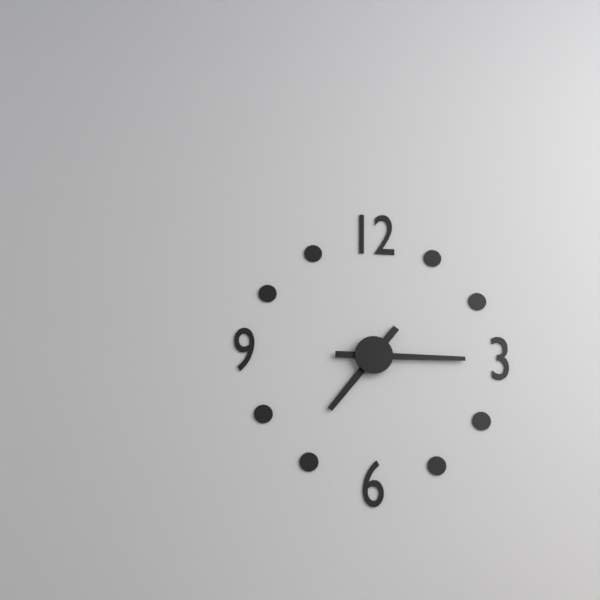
7:15
